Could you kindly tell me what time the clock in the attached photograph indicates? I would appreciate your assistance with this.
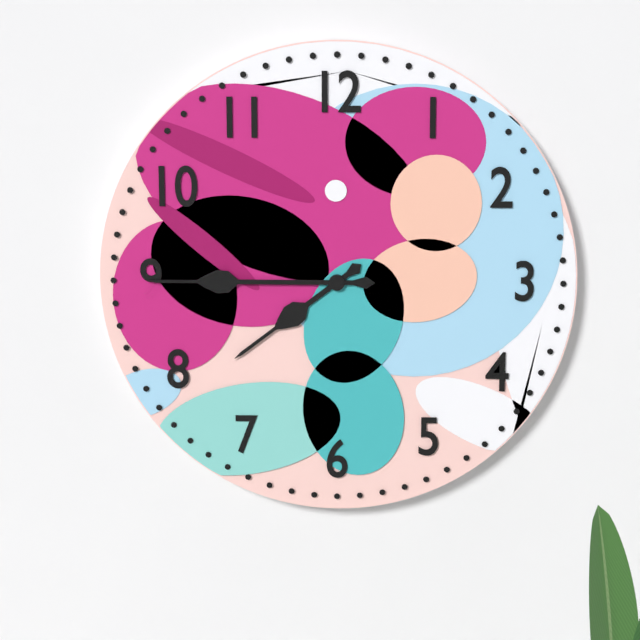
7:45
